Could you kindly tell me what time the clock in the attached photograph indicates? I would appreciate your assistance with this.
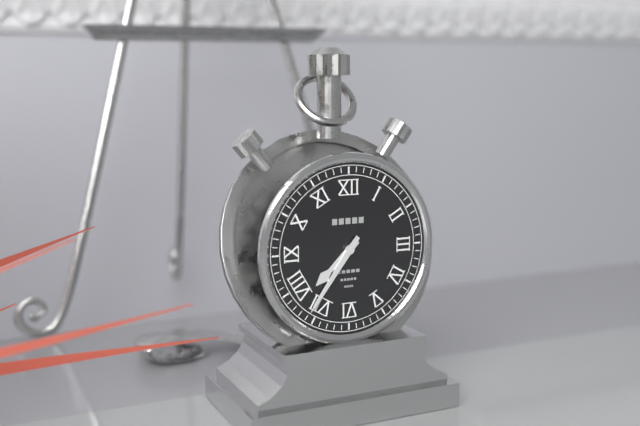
7:36
